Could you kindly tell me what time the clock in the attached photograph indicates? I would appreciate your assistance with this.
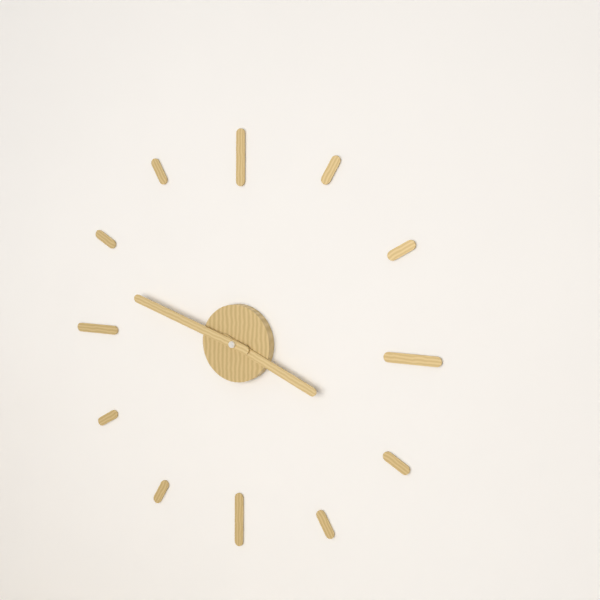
3:48
